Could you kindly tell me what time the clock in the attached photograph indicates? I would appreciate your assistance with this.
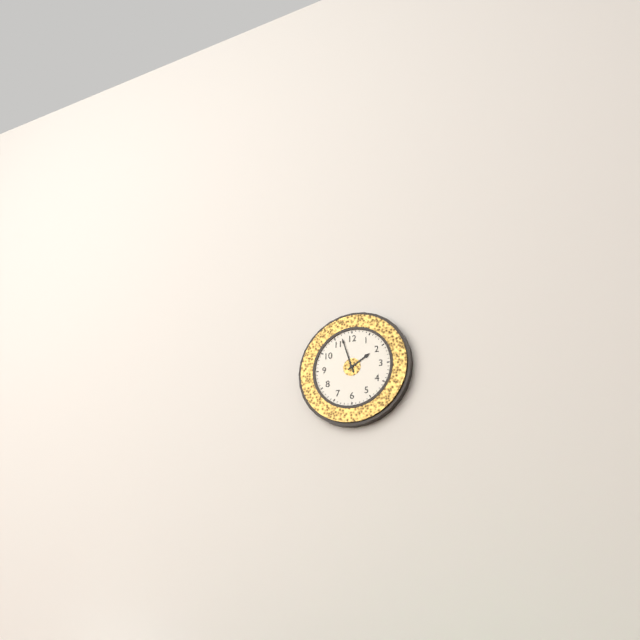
1:57
